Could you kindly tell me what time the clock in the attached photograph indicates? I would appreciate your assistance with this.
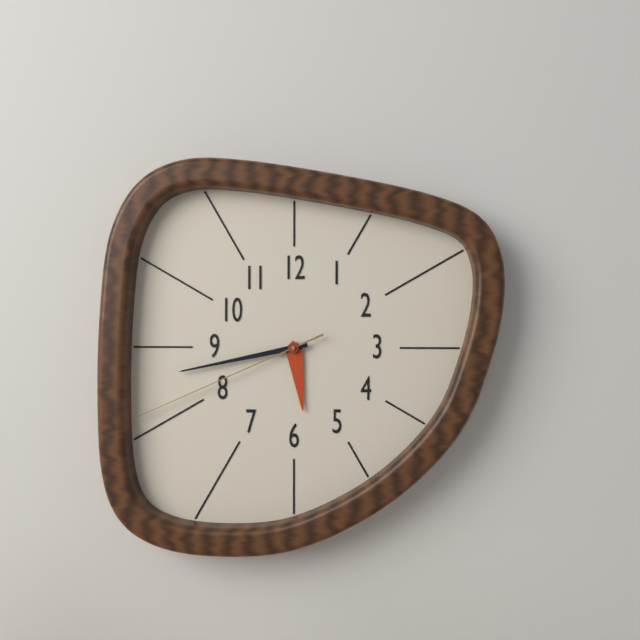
5:43:41
